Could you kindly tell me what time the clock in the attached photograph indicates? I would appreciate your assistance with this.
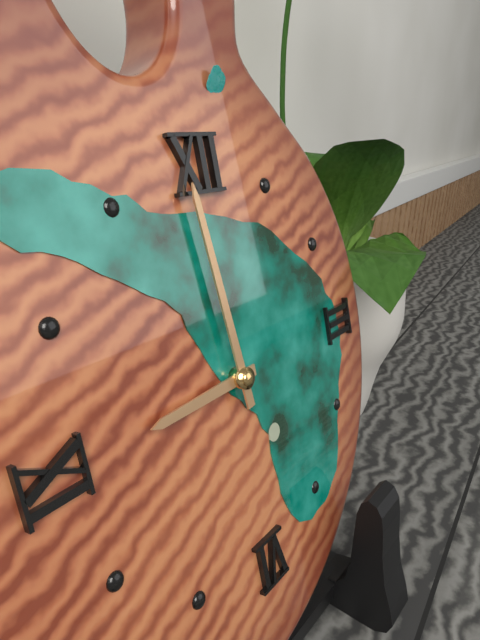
8:59
